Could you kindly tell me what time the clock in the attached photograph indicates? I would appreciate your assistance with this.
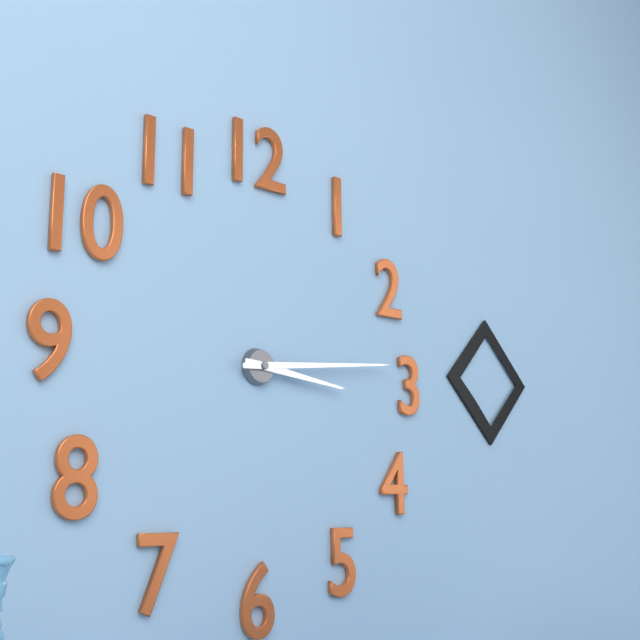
3:14
